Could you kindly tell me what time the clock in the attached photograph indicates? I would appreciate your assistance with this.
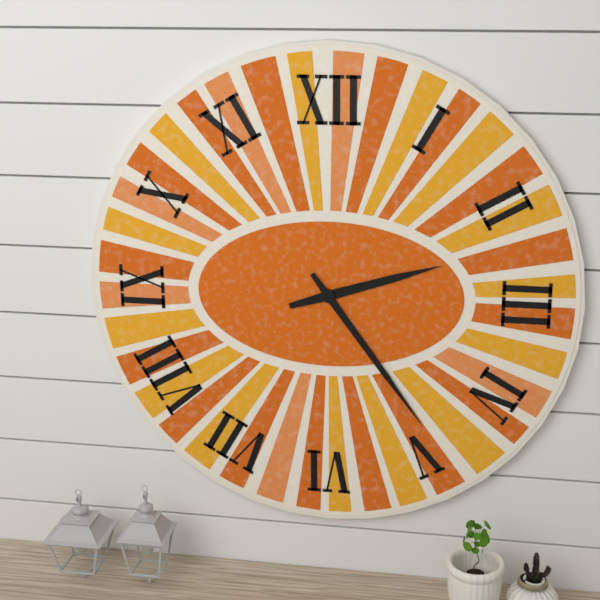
2:24
